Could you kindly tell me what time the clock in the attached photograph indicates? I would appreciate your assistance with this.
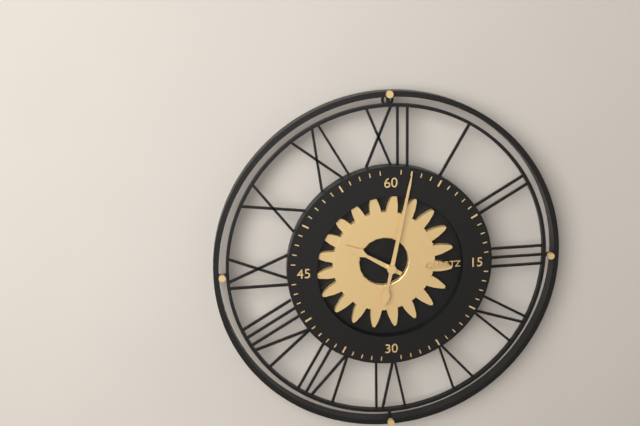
10:02
